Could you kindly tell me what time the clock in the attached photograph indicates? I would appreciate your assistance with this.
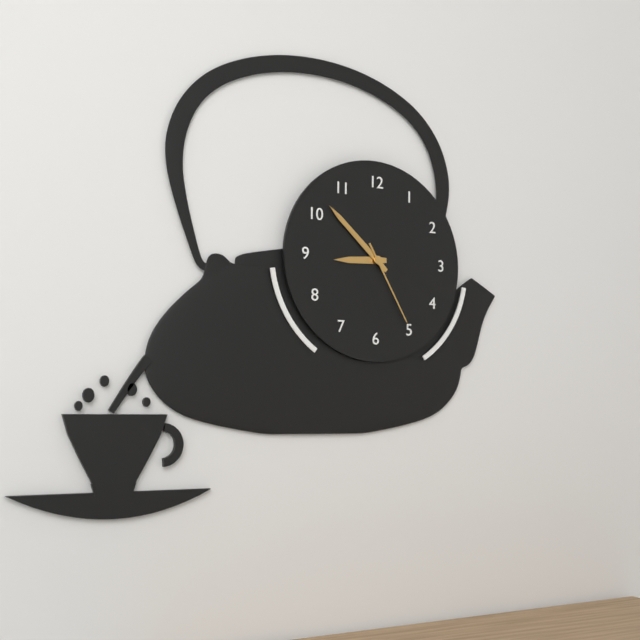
8:52:25
